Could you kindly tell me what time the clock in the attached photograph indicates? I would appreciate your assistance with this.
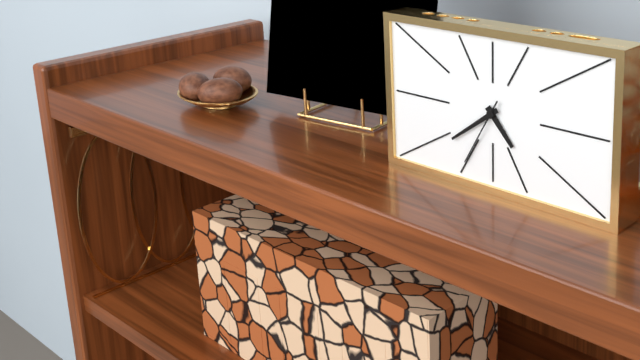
4:39:35
